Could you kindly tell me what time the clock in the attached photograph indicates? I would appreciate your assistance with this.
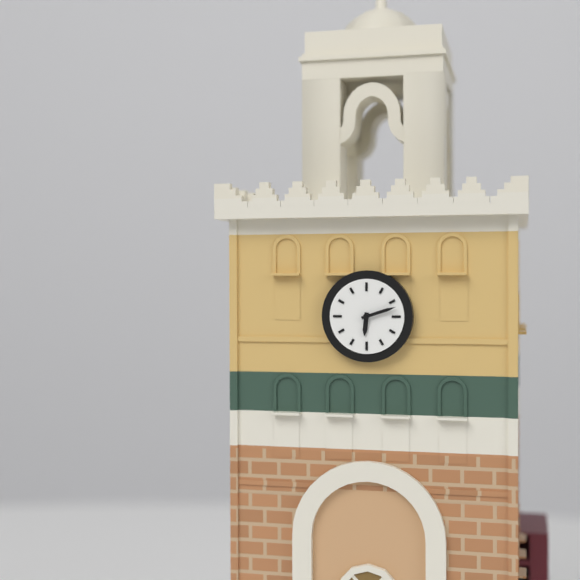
6:12
